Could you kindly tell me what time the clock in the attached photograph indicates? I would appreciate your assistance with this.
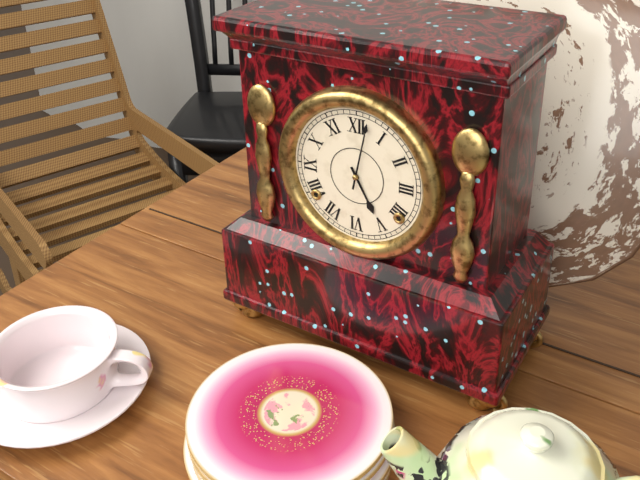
5:02
